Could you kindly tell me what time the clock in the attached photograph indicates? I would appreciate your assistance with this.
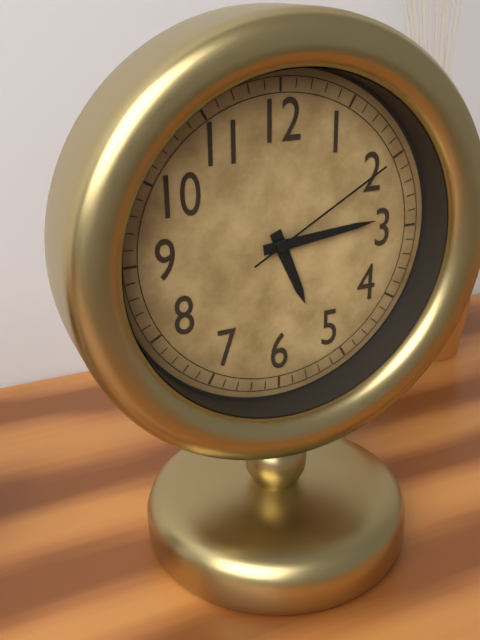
5:14:10
